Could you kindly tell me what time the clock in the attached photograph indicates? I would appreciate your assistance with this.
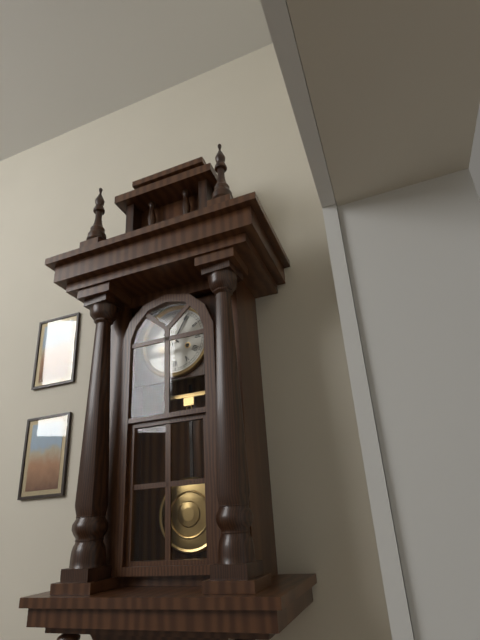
10:05
